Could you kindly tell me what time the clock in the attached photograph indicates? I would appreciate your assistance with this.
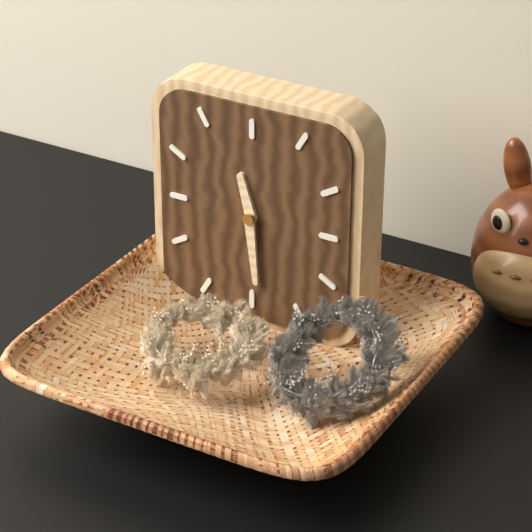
11:29
